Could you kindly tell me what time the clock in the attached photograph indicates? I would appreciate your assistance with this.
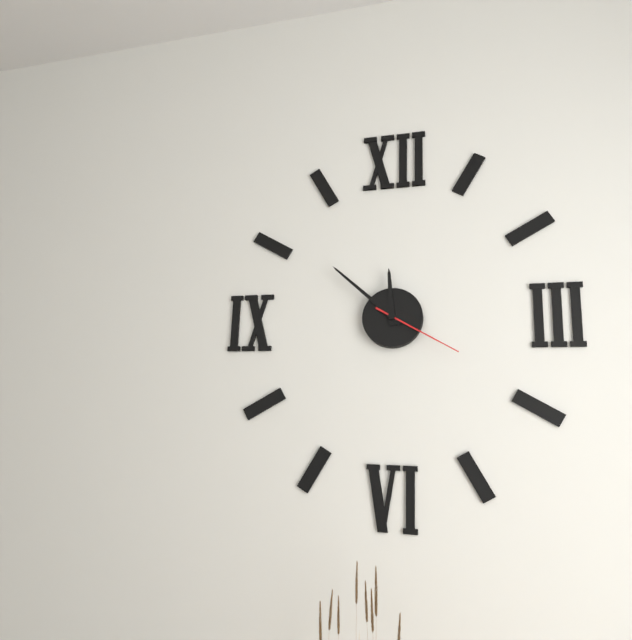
11:52:20
